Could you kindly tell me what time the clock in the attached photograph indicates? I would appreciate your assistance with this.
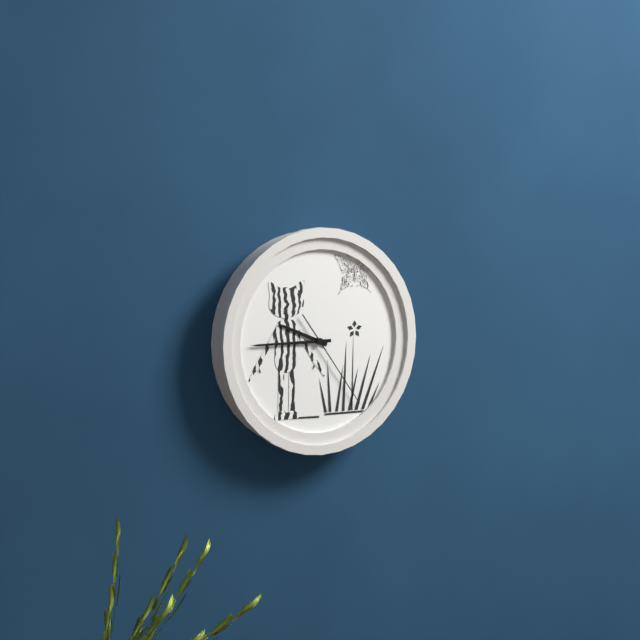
9:45:24
